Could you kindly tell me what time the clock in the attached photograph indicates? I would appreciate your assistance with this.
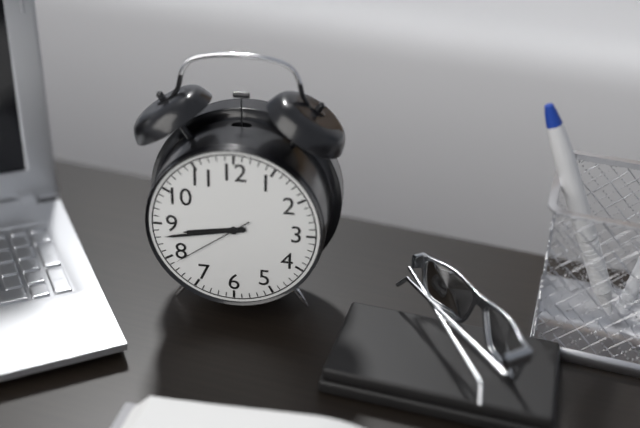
8:43:39
